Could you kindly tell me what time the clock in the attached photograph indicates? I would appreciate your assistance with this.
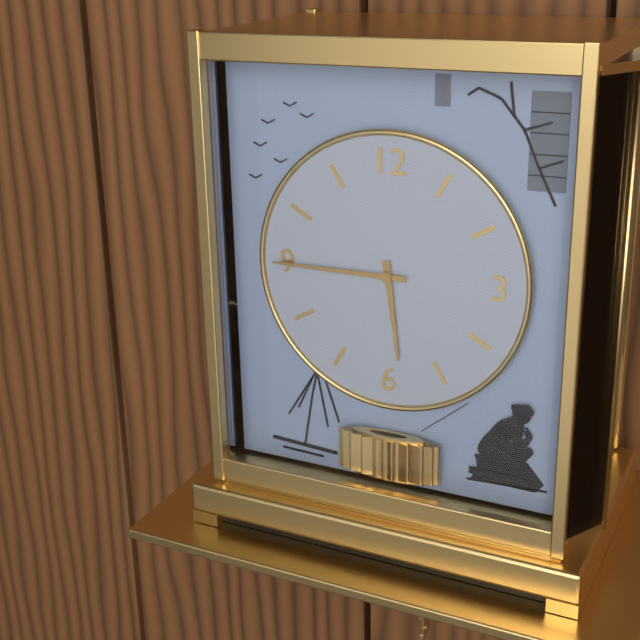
5:45
